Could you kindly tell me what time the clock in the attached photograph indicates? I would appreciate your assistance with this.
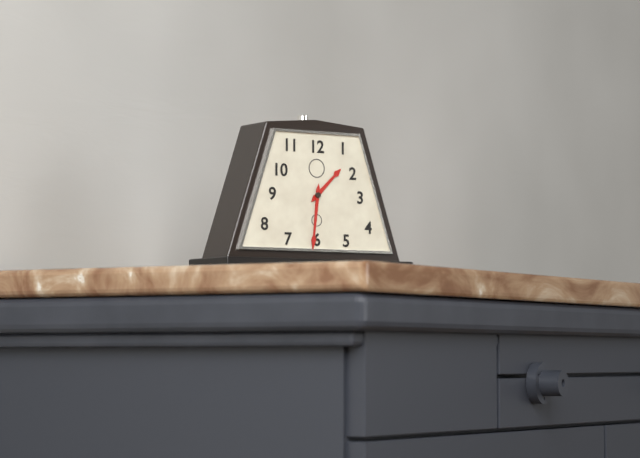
1:31
